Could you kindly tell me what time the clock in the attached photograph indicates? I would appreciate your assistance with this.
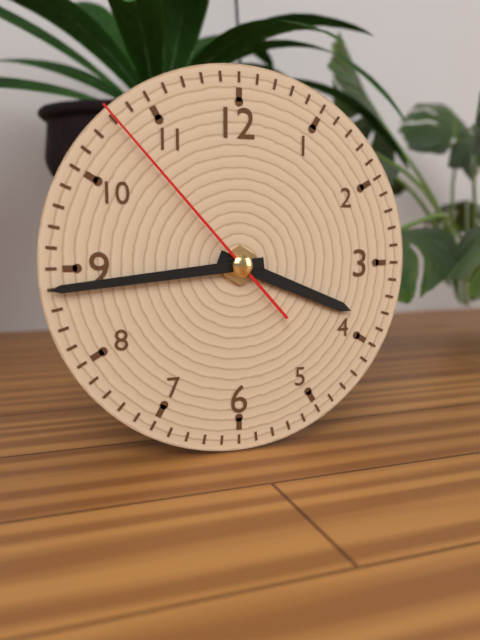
3:44:53
